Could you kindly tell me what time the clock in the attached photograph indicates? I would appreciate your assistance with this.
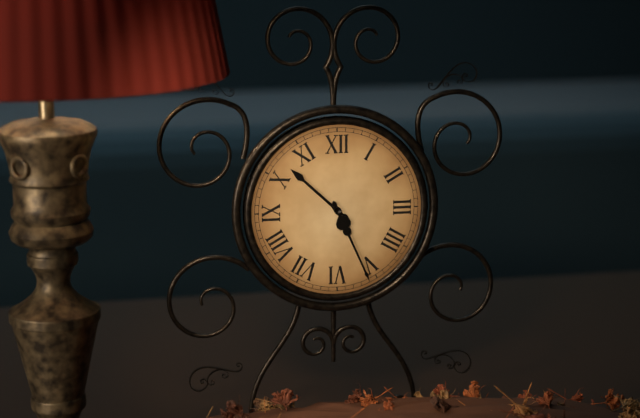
10:26
